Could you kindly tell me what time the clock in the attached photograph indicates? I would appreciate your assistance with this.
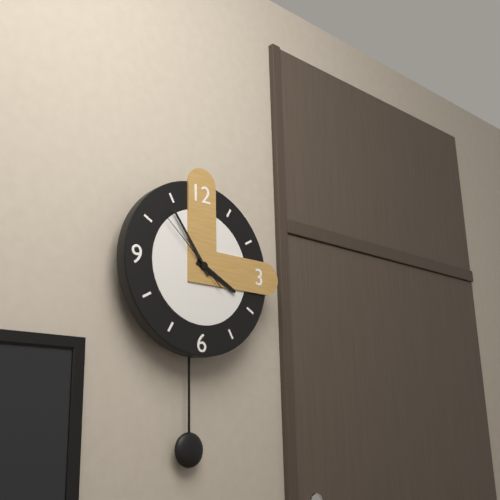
3:54:52
